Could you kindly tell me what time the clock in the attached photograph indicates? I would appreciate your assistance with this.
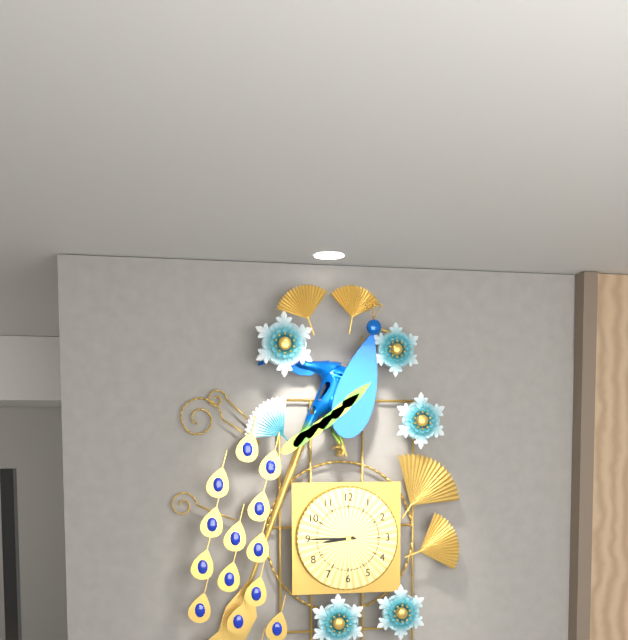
8:45
